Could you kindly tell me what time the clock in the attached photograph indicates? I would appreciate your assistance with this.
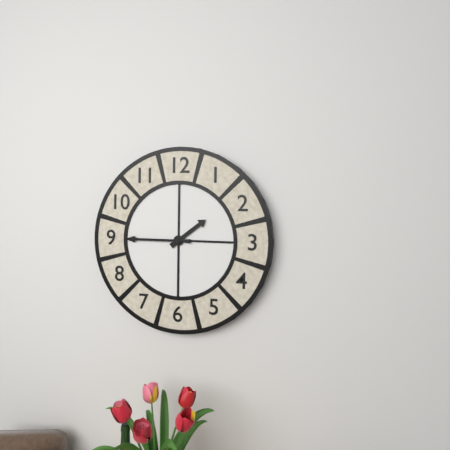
1:45
